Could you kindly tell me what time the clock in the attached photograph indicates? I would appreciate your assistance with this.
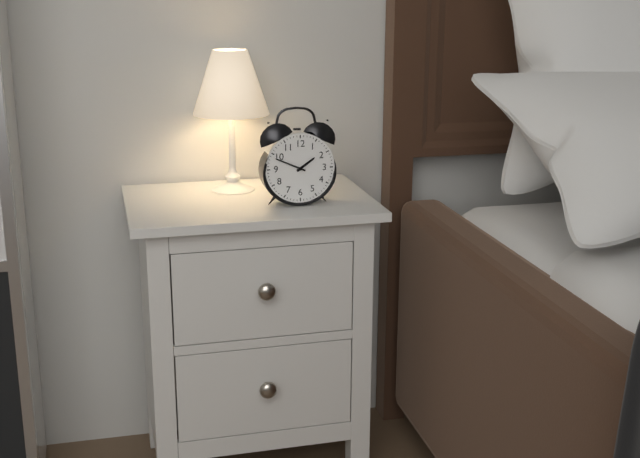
1:49
